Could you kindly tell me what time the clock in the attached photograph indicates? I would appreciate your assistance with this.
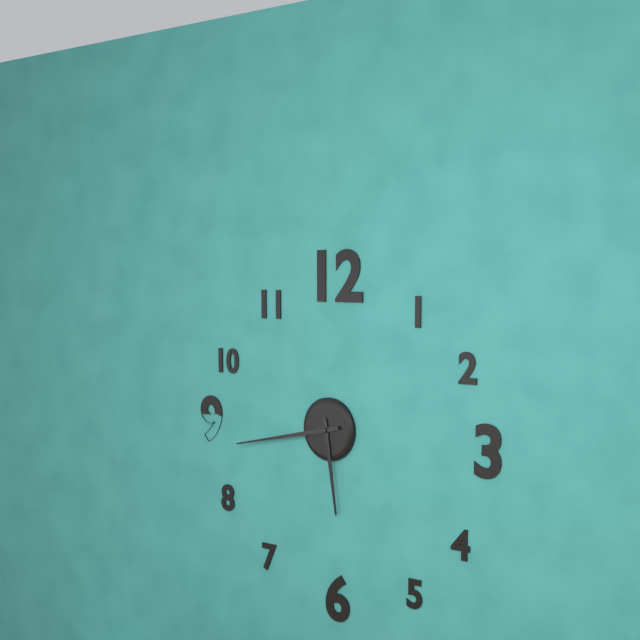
5:43
